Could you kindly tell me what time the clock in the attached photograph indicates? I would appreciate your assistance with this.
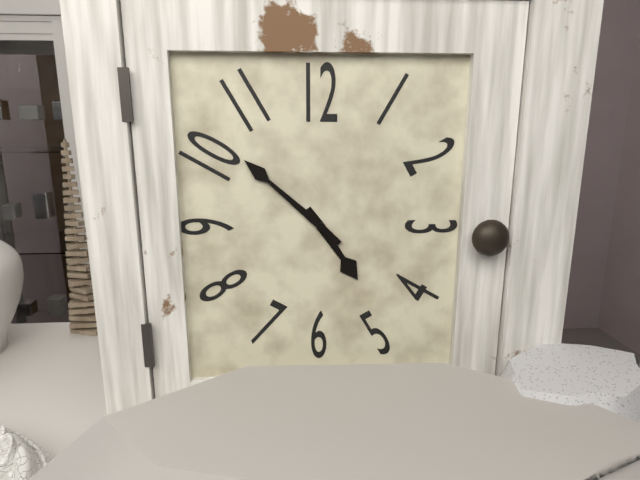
4:52
